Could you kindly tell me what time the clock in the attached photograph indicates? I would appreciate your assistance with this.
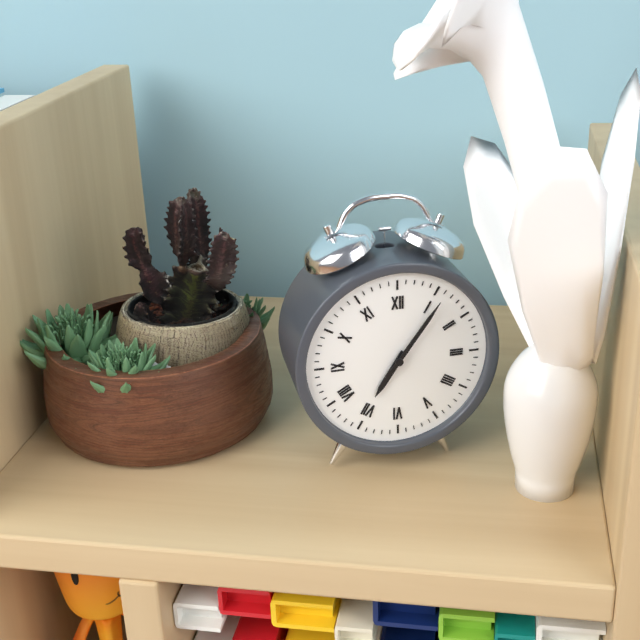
7:06
